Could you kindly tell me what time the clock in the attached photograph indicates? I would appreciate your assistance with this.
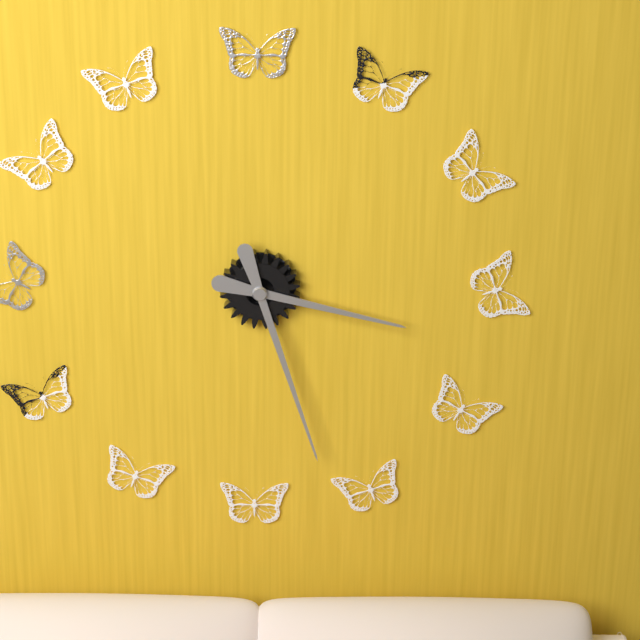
3:27
